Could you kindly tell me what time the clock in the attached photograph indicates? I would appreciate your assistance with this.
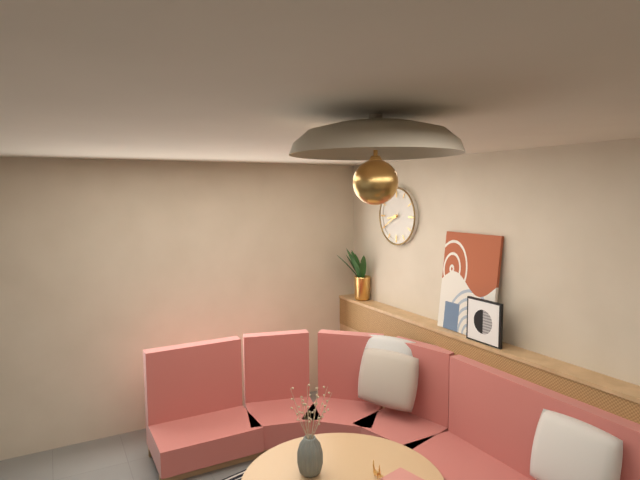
8:40
